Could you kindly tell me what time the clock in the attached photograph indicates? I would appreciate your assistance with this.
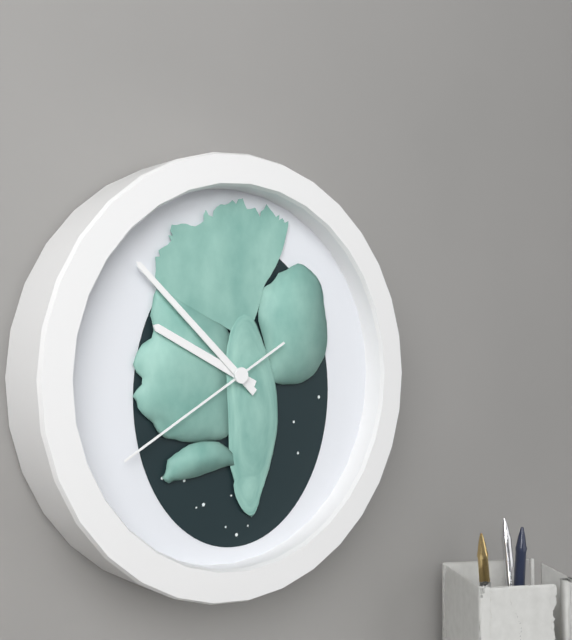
9:52:40
